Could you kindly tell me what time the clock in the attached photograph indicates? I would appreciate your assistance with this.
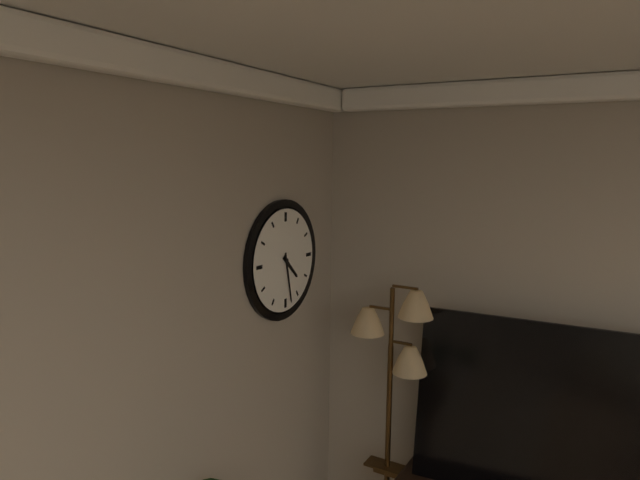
4:28
